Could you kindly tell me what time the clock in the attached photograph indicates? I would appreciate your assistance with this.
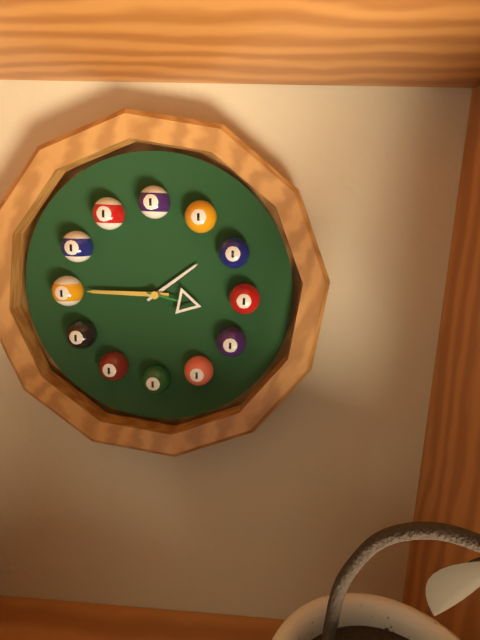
1:45:17
